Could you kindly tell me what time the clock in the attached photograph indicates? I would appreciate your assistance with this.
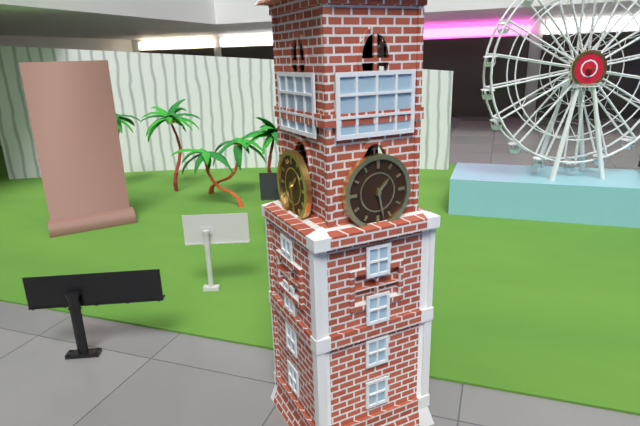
1:28
